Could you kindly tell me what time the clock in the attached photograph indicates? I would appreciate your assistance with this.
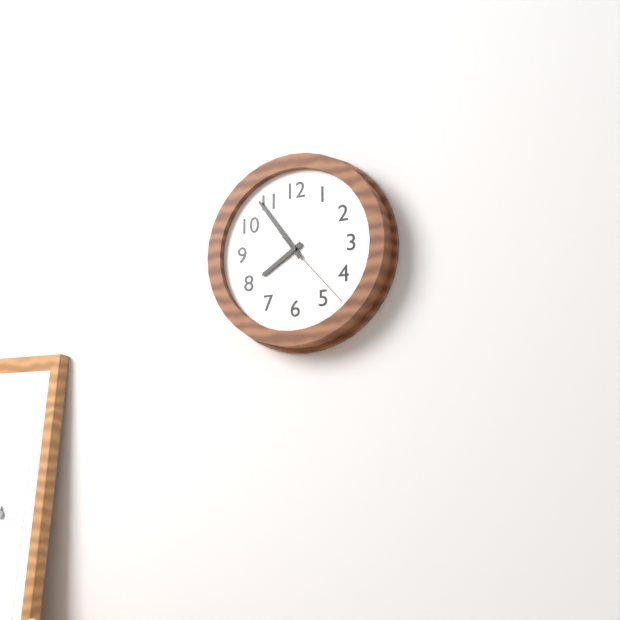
7:54:23
